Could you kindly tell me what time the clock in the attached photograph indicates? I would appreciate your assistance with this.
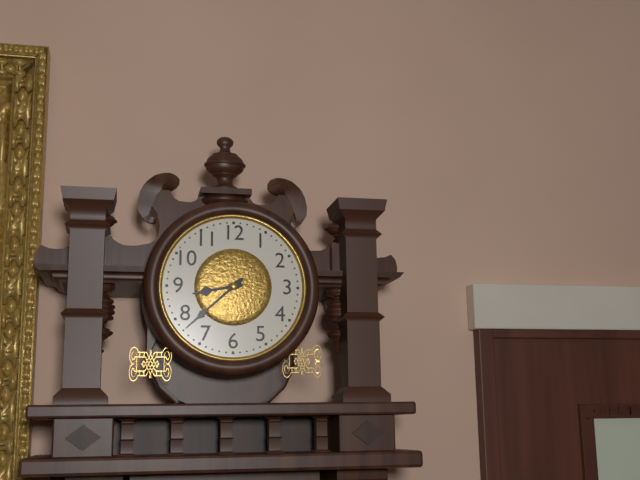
8:38
